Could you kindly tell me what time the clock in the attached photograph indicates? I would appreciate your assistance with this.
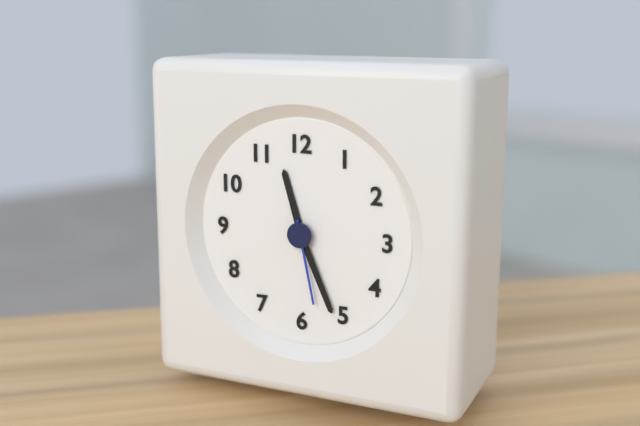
11:26:28
